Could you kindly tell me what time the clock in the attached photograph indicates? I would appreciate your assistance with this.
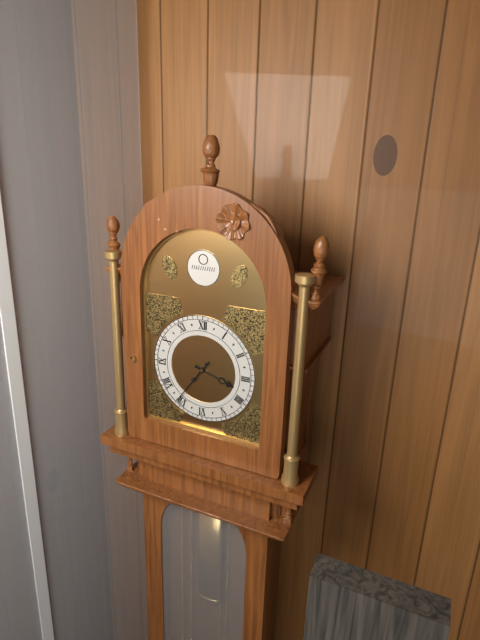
3:36
